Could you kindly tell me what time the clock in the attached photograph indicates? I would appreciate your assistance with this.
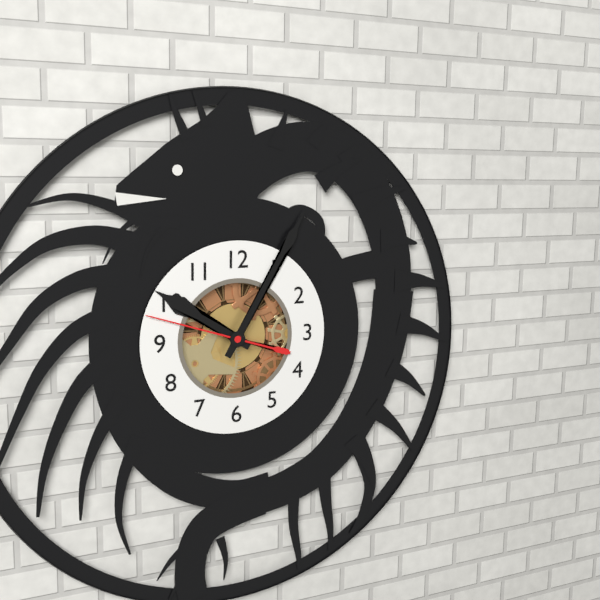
10:05:48
